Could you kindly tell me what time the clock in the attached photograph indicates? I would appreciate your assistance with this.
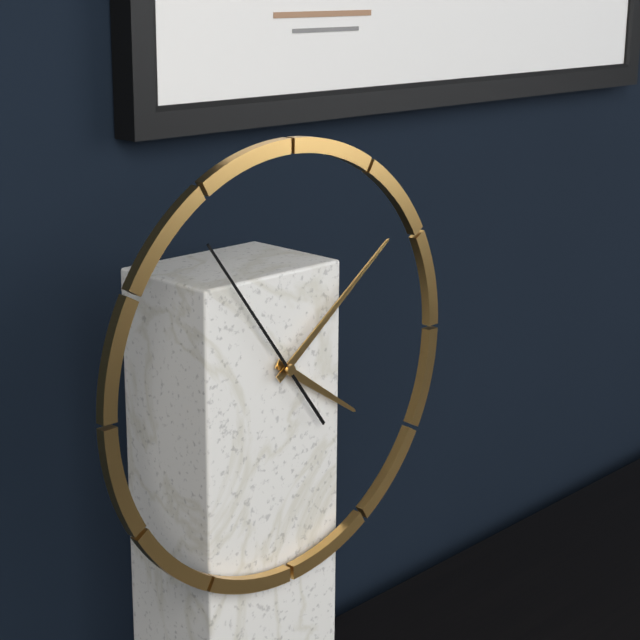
4:09:54
